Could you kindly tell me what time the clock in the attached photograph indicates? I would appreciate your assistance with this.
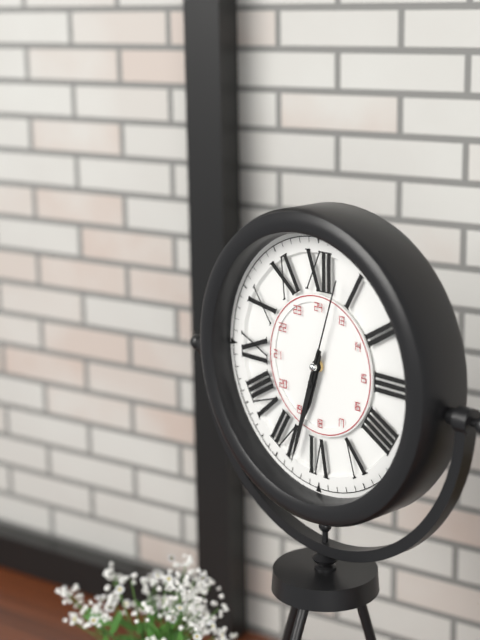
6:33:03
